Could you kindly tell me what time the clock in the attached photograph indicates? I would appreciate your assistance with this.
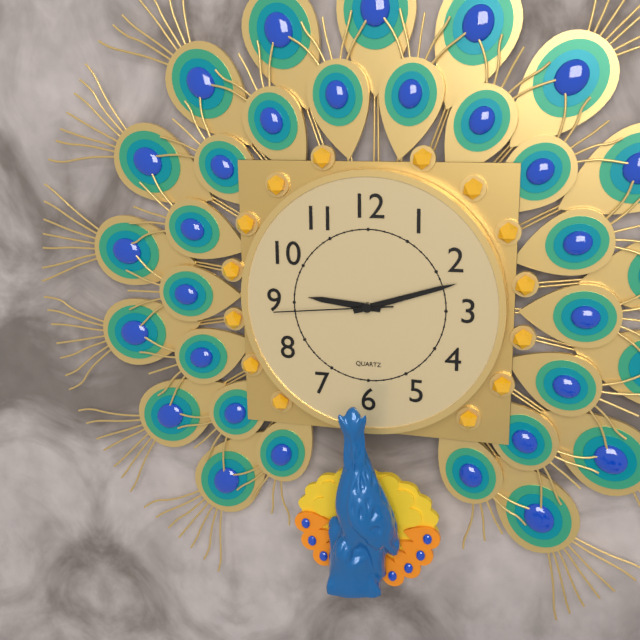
9:12:44
